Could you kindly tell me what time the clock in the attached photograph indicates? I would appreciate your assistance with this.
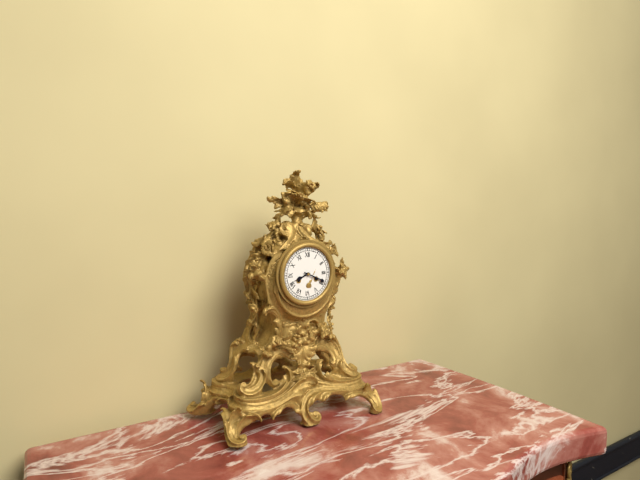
8:19
